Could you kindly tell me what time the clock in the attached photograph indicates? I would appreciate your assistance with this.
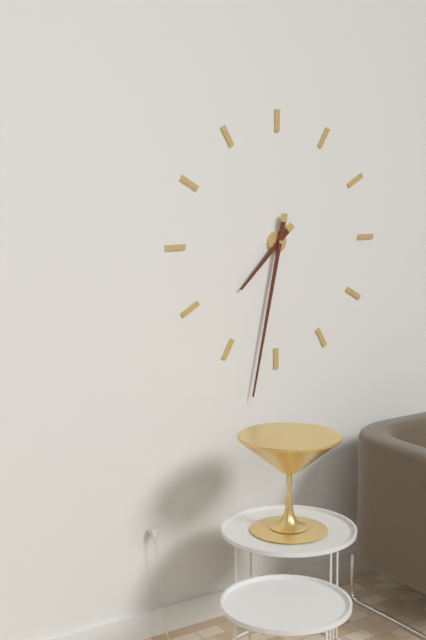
7:32
